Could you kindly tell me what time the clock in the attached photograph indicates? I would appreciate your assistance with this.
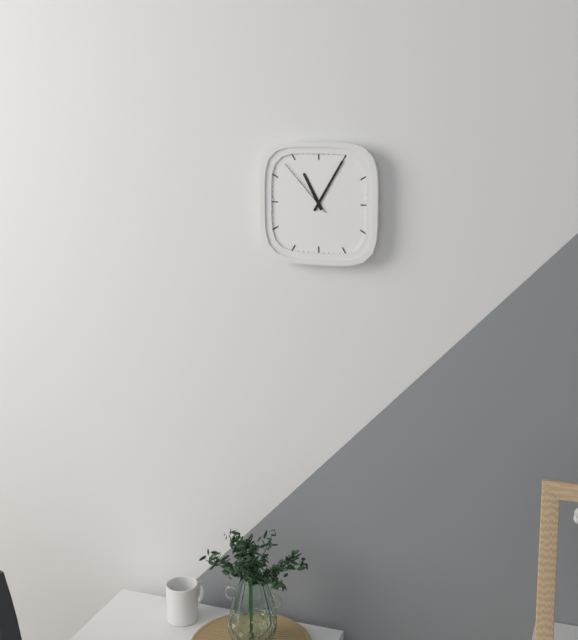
11:05:53
